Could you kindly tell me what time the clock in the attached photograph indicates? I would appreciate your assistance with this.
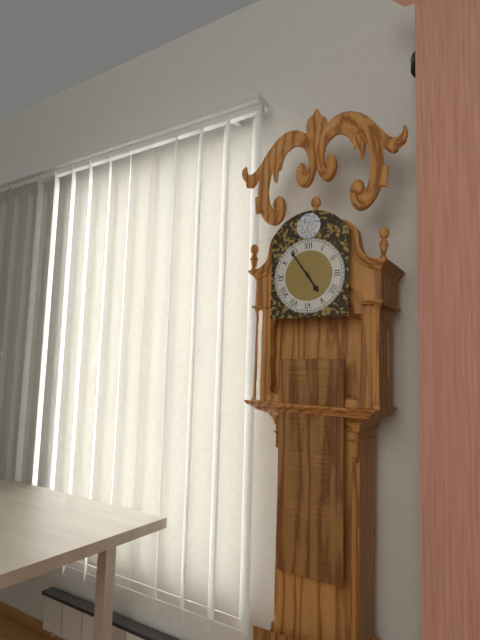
4:54
